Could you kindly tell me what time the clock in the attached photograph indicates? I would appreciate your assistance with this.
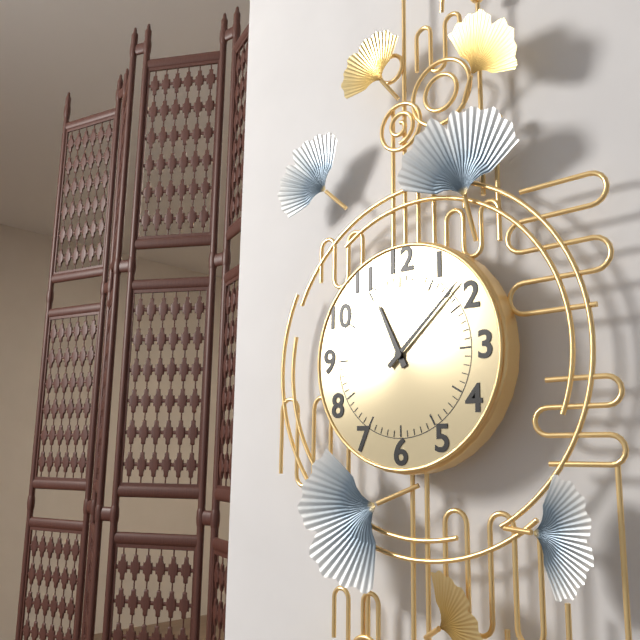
11:08
